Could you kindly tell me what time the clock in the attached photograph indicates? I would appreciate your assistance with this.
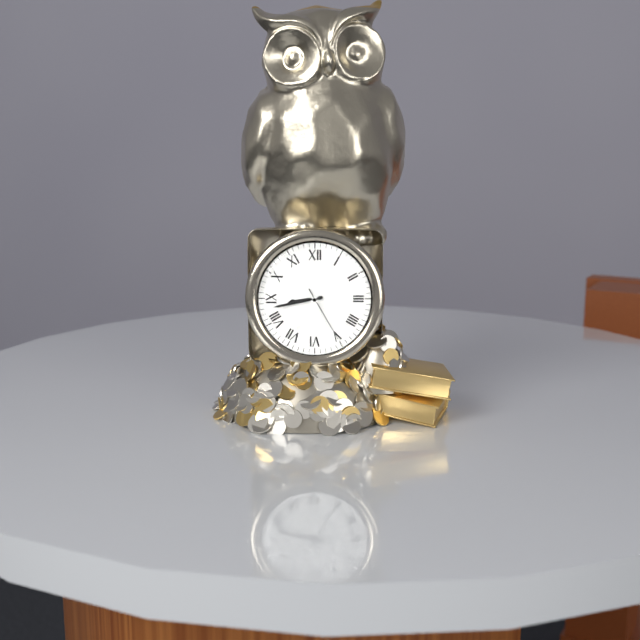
8:43:25
